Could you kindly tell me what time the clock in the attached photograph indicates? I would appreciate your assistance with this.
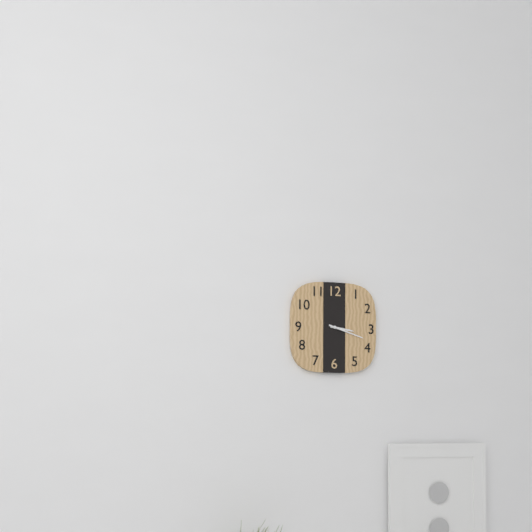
3:18
